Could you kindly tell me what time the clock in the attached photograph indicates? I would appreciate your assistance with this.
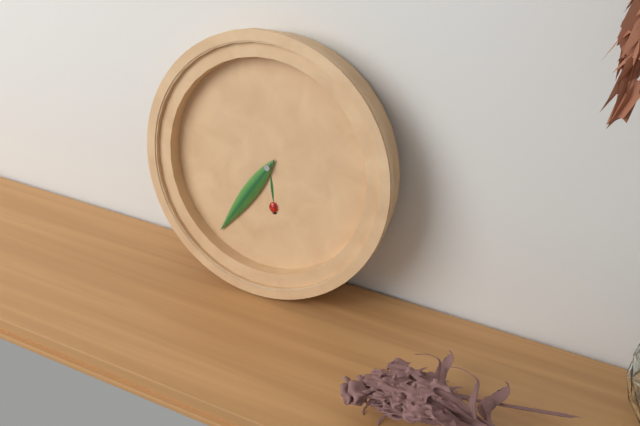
5:35
